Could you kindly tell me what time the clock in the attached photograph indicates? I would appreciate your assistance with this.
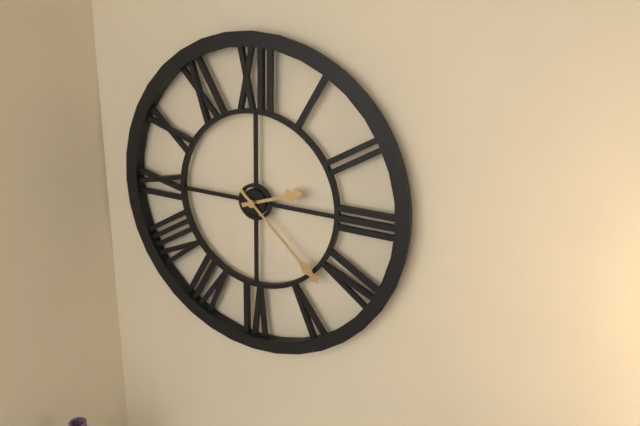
2:22
